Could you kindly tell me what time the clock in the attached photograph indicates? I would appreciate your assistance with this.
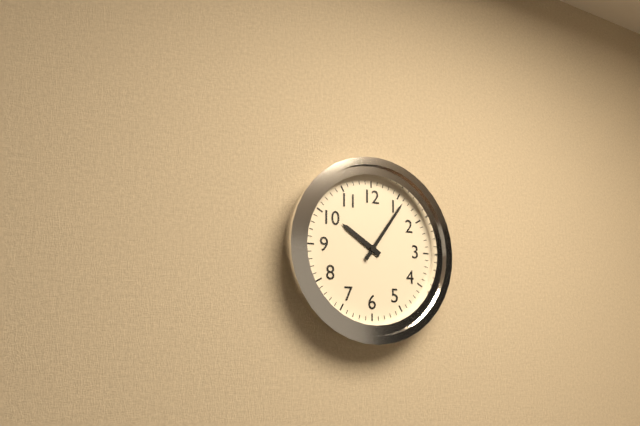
10:06
